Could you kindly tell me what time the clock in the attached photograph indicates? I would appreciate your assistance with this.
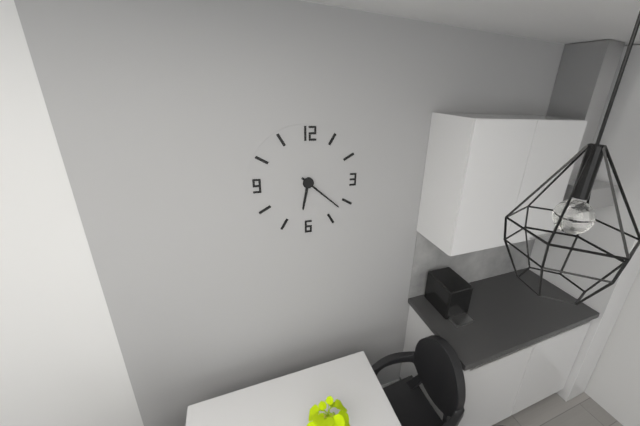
6:22
